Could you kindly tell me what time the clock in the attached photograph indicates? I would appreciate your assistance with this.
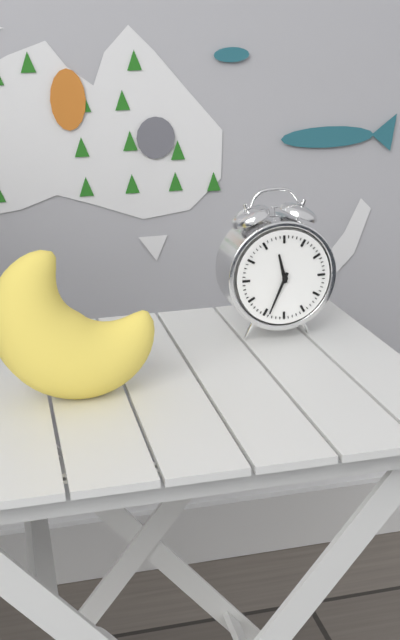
11:34
